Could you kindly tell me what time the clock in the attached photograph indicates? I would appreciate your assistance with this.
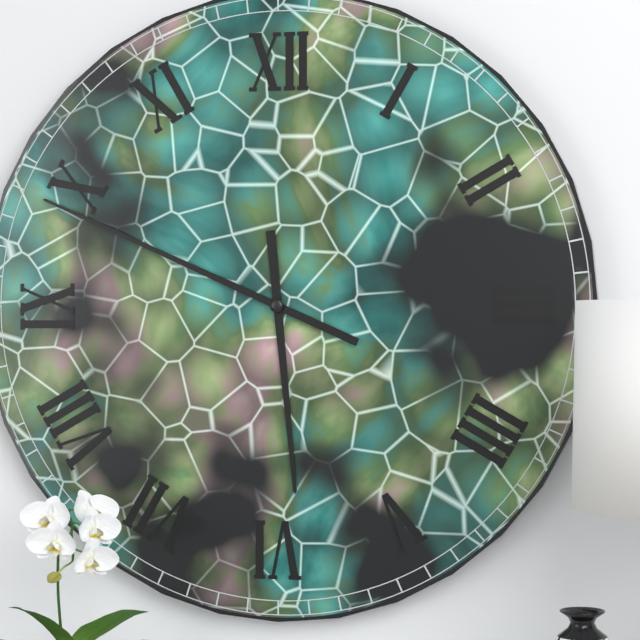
5:49
